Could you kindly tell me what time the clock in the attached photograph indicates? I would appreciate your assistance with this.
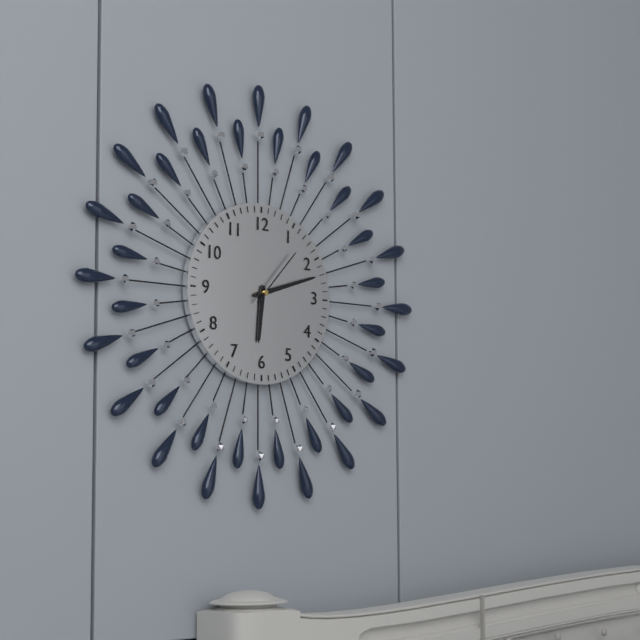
6:12:07
